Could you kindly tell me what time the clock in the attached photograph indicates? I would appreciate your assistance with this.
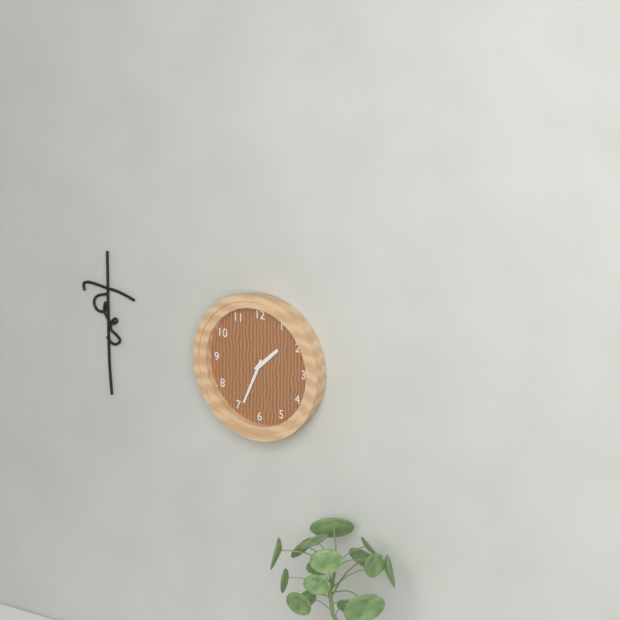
1:34
